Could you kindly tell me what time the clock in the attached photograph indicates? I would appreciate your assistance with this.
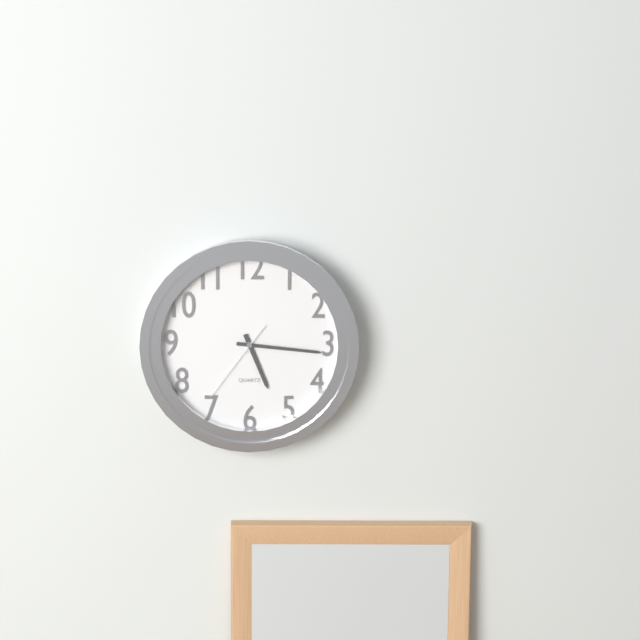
5:16:36
